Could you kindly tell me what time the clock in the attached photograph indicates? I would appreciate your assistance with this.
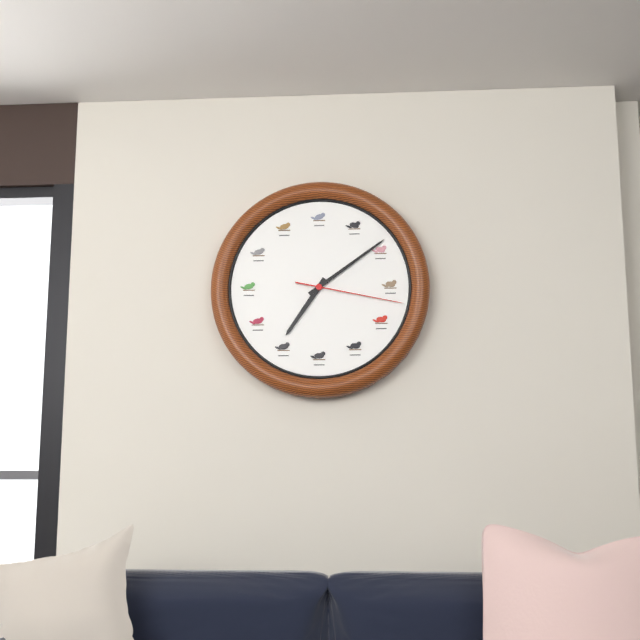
7:09:17
